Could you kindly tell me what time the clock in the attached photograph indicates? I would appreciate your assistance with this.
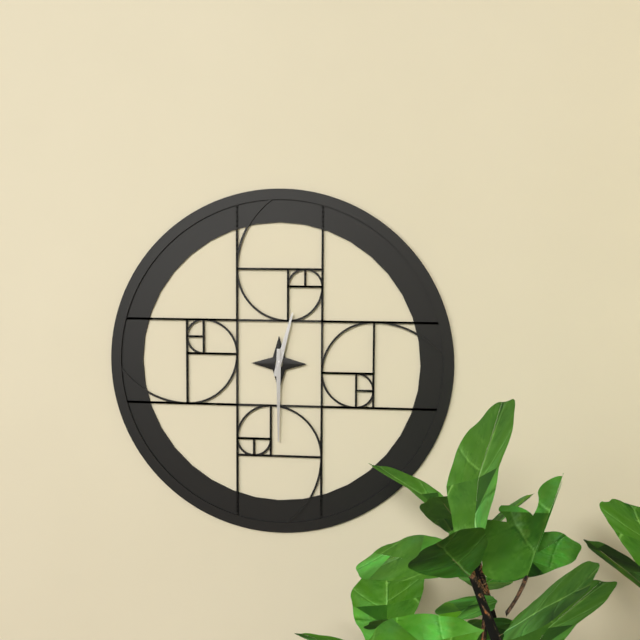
12:30
